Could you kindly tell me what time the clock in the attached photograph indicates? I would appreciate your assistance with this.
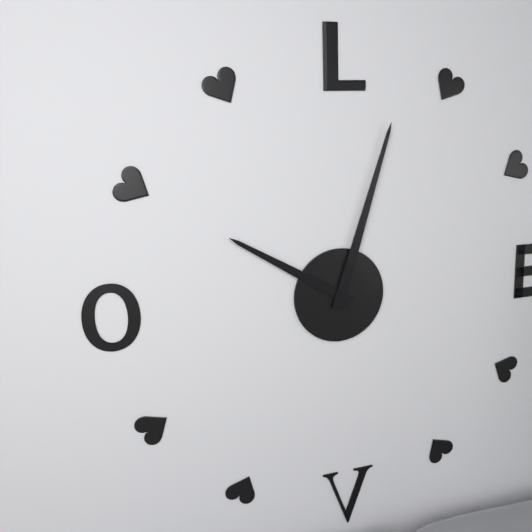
10:03
